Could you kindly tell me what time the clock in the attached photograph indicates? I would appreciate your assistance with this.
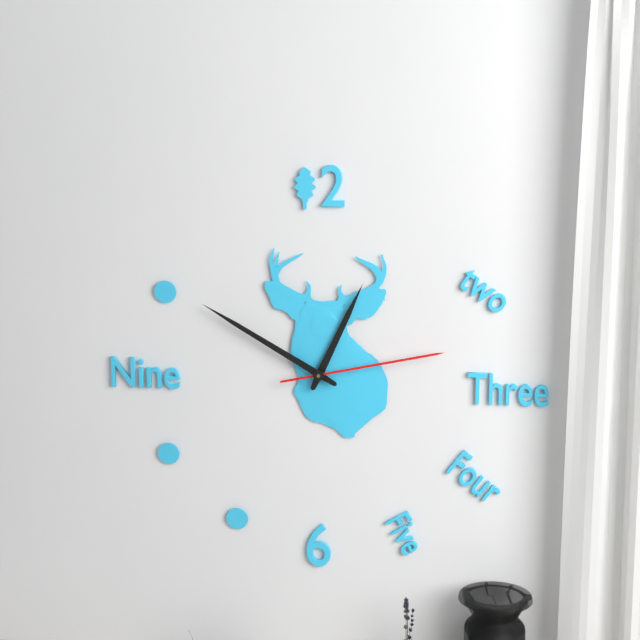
12:50:13
